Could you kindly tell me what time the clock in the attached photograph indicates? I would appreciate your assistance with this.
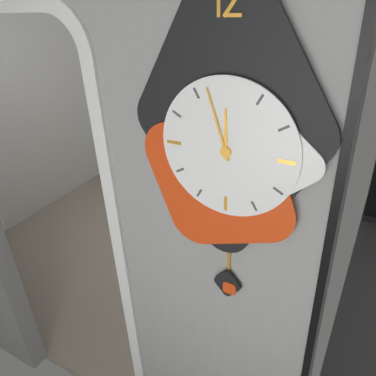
11:57
